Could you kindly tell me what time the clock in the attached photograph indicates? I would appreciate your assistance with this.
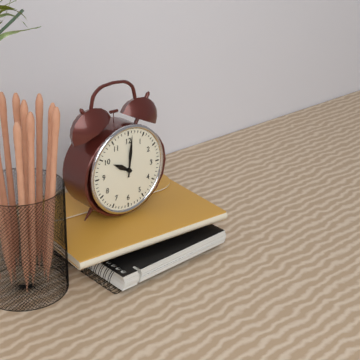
10:01
